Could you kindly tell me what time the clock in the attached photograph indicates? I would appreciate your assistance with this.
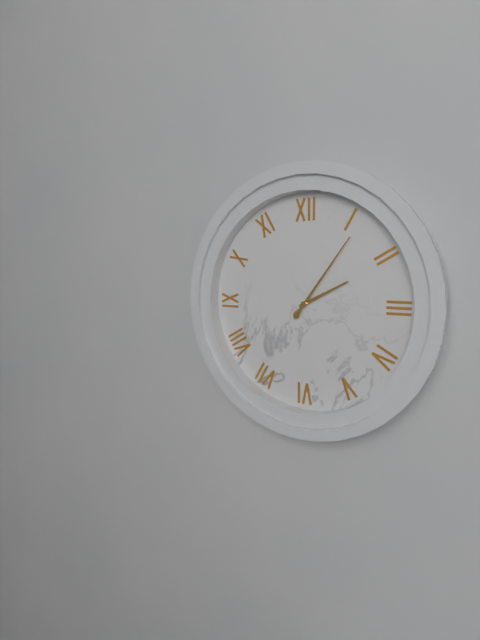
2:06
